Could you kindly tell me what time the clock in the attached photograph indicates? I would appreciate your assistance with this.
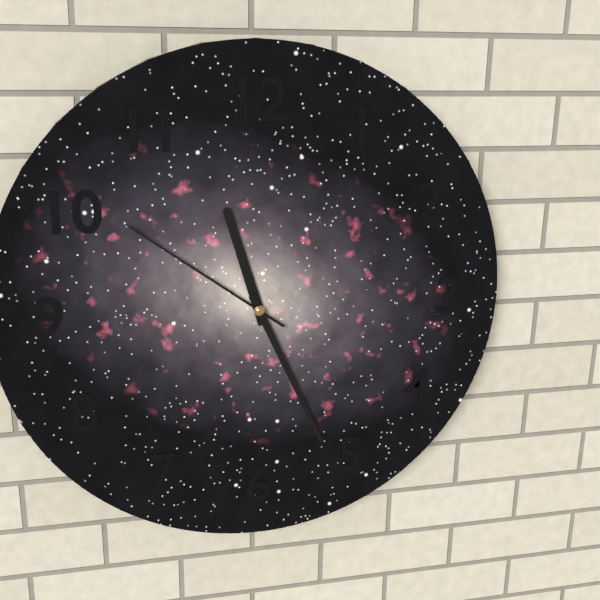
11:26:51
